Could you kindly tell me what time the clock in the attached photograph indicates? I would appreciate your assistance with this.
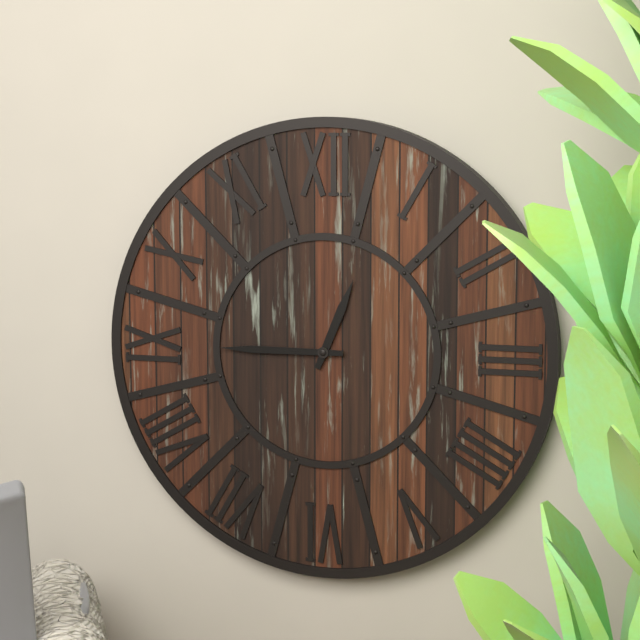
12:45
